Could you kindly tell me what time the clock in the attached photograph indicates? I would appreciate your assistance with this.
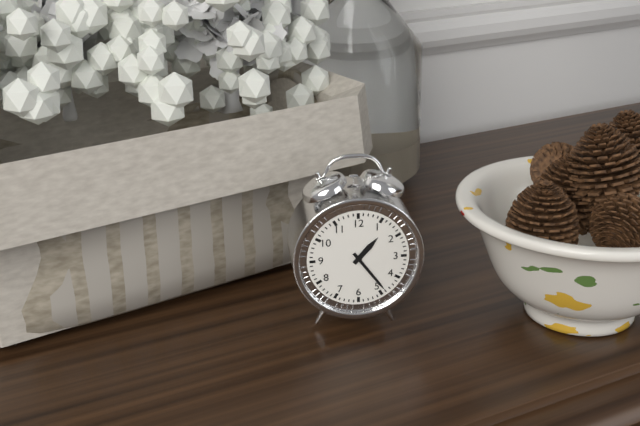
1:24
